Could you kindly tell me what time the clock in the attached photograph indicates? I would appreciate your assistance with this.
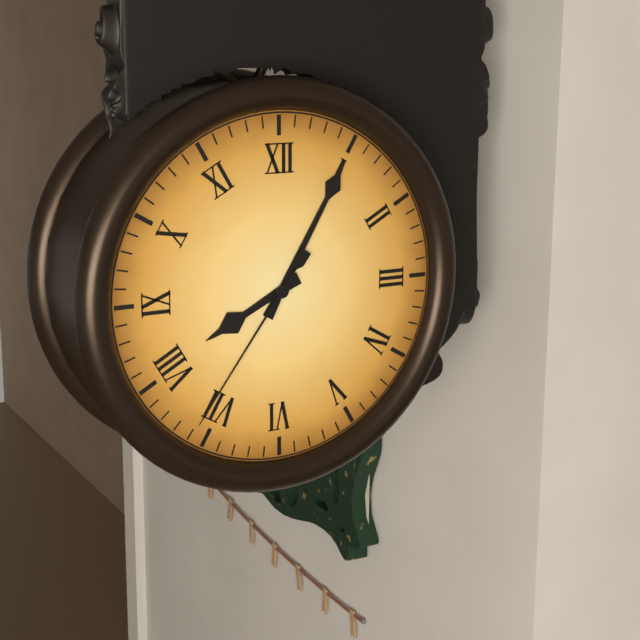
8:05:36
